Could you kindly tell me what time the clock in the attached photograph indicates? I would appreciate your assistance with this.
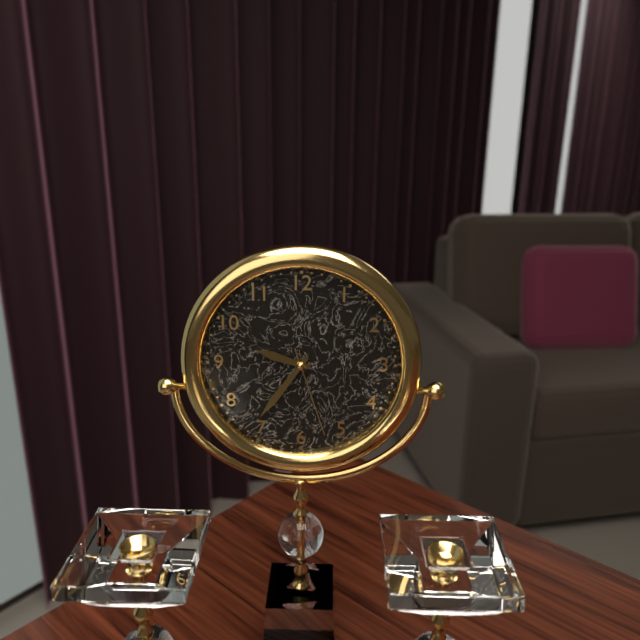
9:36:27
